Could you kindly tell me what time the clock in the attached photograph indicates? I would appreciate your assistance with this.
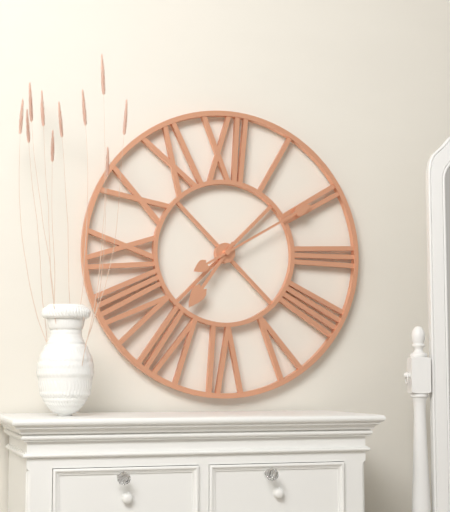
7:10
